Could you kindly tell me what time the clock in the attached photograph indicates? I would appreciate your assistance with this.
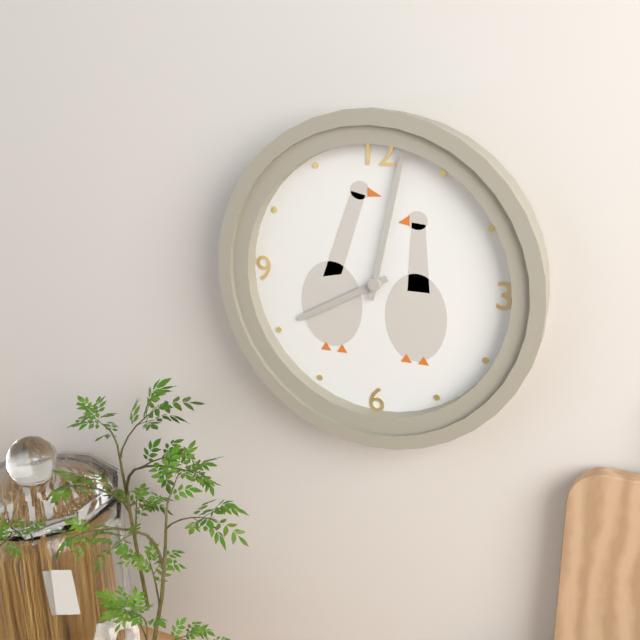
8:02
